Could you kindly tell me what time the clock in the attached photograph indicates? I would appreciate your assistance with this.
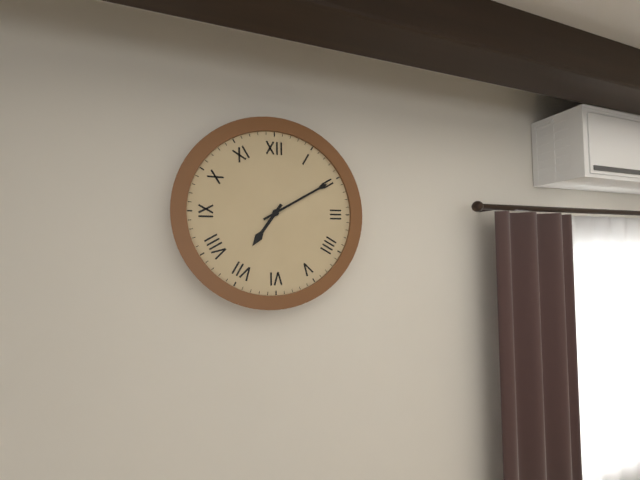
7:10
